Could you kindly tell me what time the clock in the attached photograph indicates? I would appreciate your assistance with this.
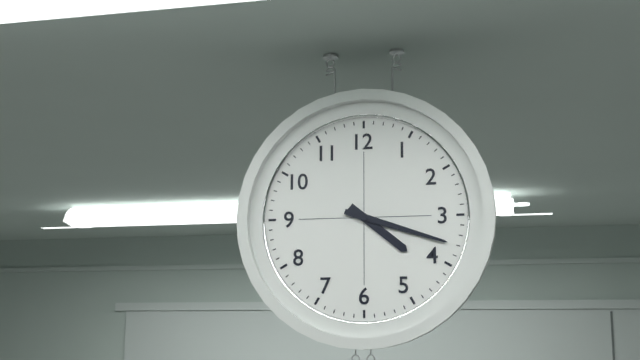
4:18
